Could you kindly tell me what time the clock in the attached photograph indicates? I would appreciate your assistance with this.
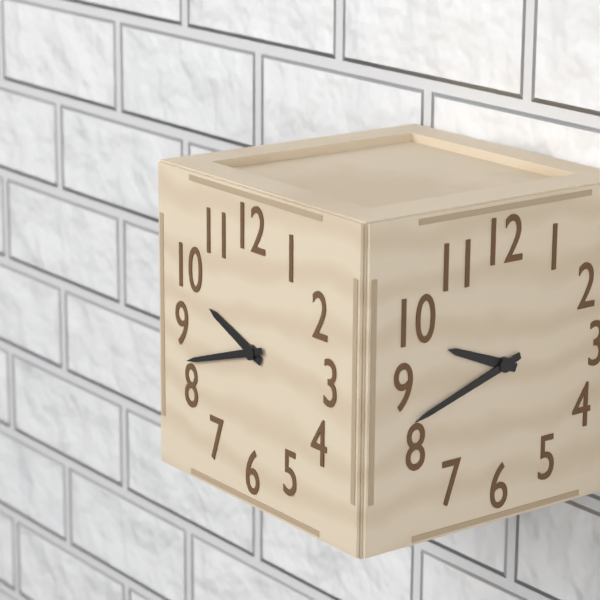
9:42
